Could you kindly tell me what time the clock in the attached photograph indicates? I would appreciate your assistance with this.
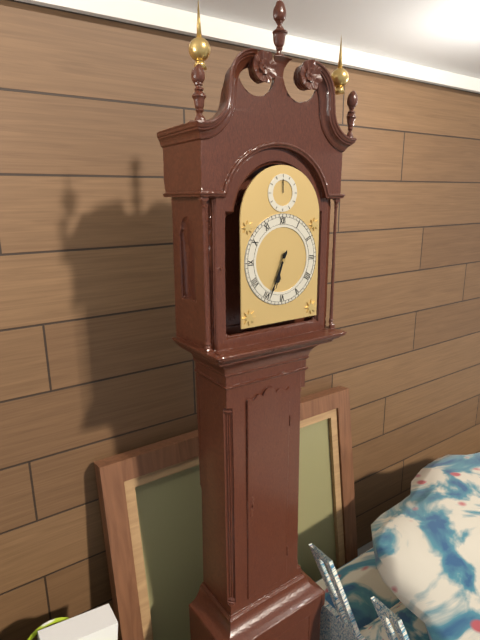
6:34
